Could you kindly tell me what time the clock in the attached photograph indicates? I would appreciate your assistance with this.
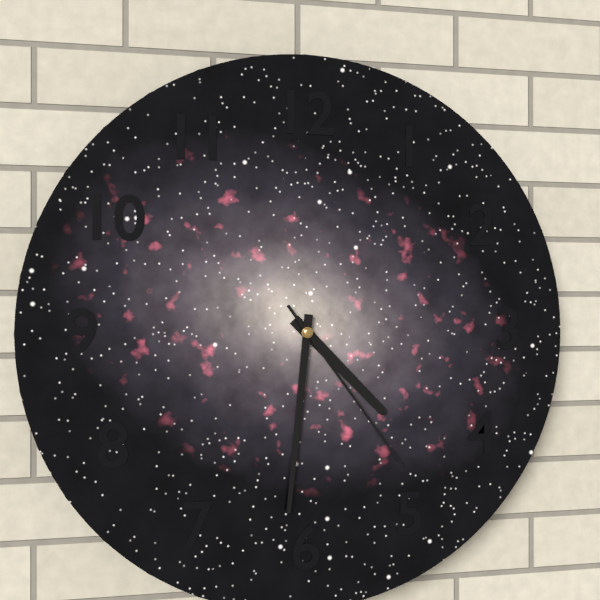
4:31:24
